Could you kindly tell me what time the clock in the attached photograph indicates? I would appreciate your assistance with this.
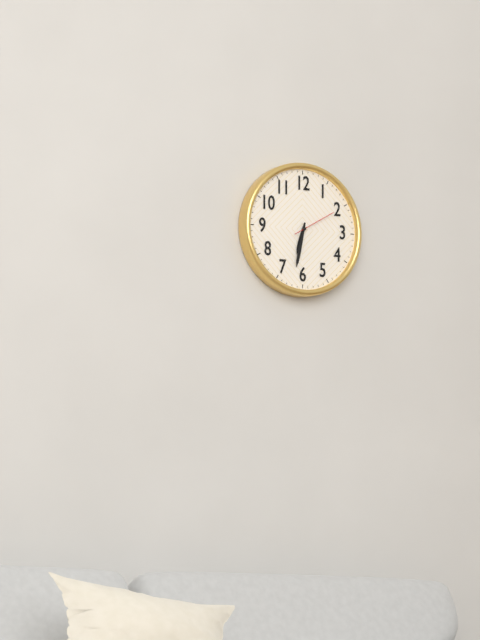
6:32
